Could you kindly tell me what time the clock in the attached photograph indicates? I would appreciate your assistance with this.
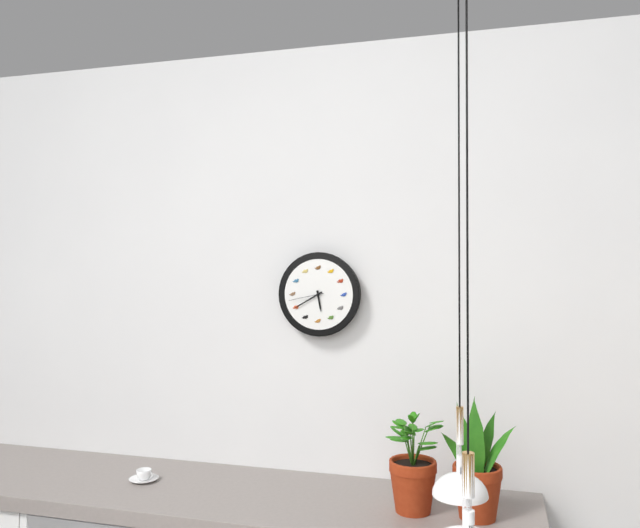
5:40
